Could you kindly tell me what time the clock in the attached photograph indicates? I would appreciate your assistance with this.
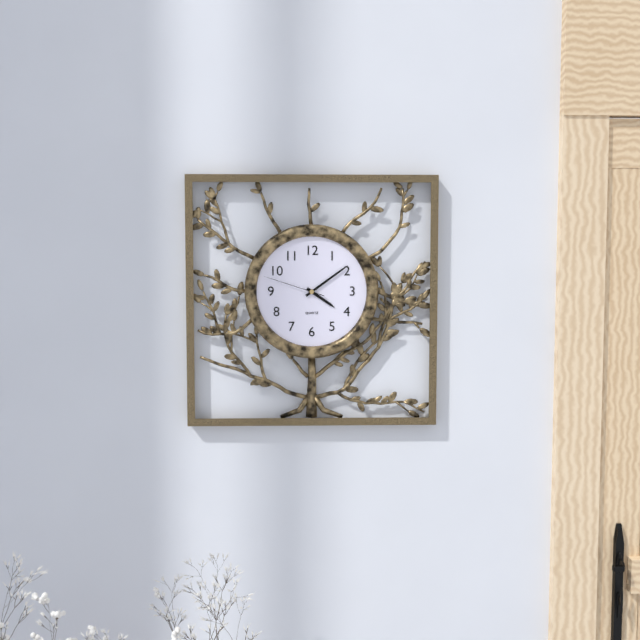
4:09:48
